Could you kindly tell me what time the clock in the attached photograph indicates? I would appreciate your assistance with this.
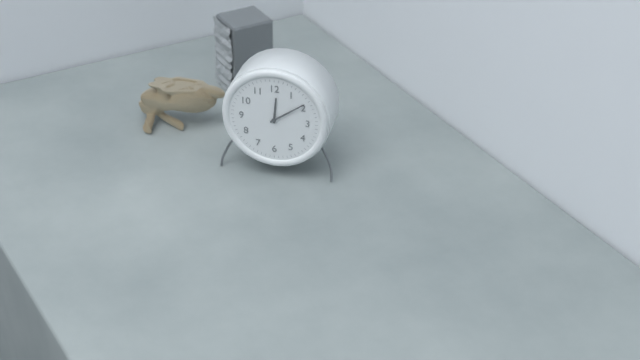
12:09
